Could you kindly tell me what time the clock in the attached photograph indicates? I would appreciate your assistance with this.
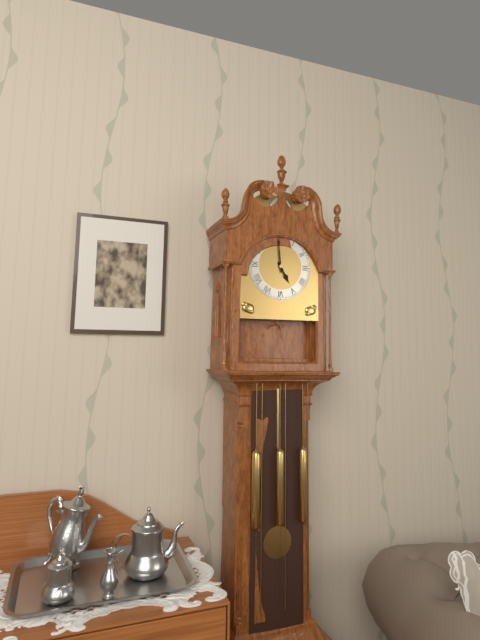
4:59
